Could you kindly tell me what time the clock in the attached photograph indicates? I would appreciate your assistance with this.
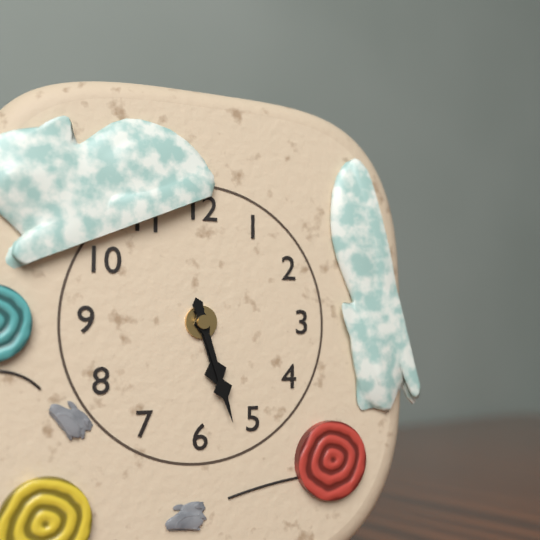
5:27
